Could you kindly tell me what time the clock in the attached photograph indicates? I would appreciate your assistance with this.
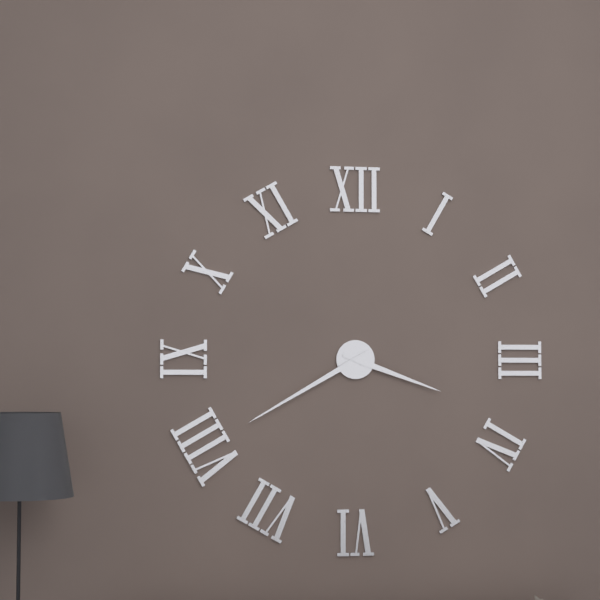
3:40
